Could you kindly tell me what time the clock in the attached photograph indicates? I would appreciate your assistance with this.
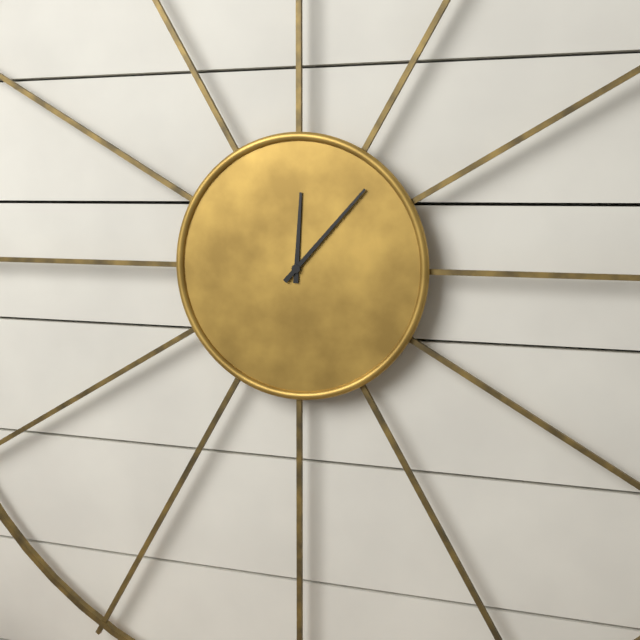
12:07
